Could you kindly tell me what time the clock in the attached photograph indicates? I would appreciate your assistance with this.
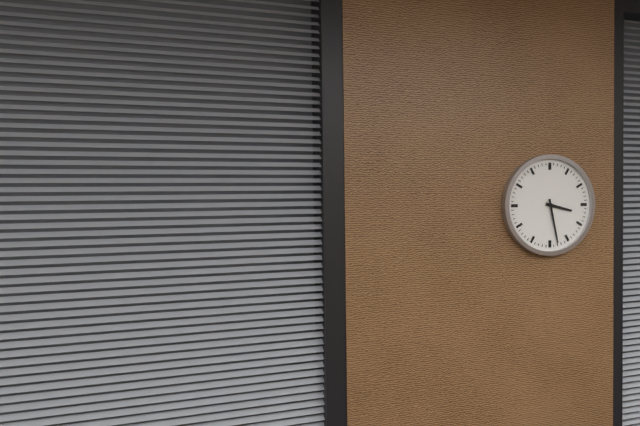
3:28
